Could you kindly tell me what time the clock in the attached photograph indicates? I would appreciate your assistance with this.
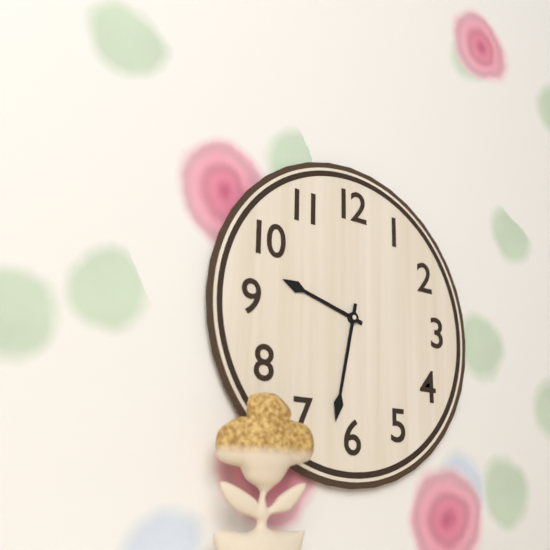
9:32
